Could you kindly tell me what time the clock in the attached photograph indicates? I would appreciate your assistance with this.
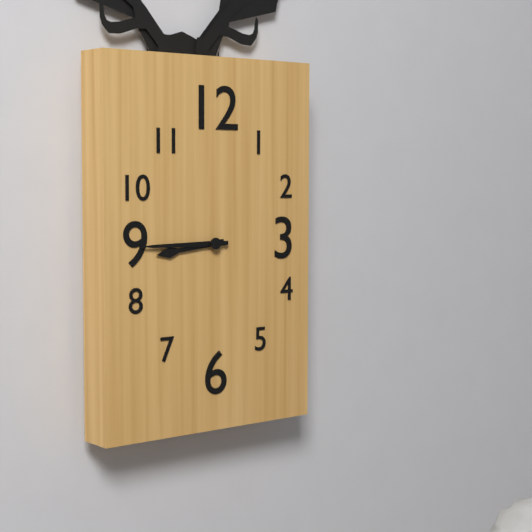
8:45
